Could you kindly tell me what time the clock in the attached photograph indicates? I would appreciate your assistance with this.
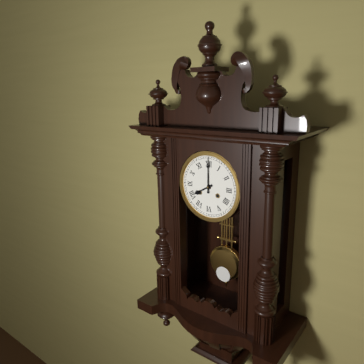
8:00
